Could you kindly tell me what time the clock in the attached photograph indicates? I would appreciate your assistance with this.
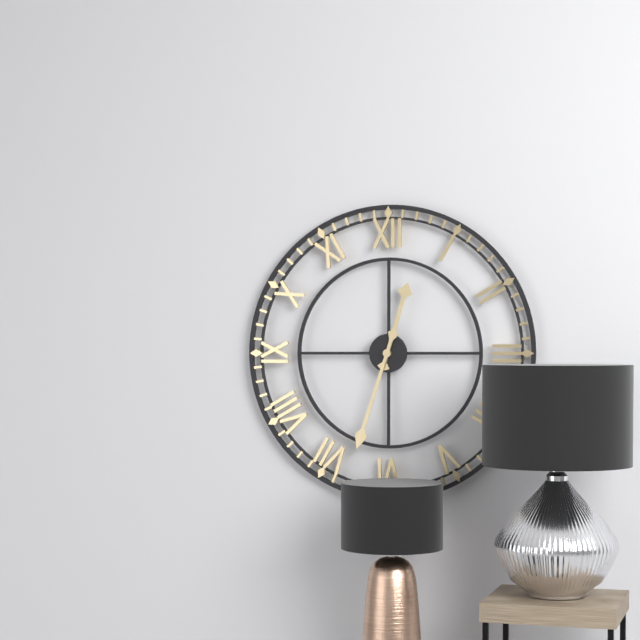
12:33
